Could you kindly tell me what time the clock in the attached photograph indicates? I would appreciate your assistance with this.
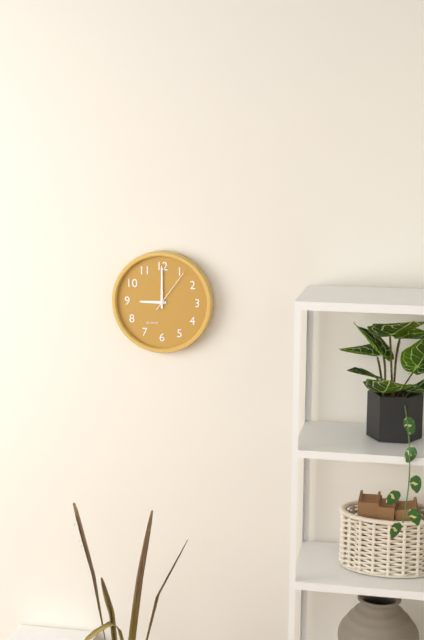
9:00
